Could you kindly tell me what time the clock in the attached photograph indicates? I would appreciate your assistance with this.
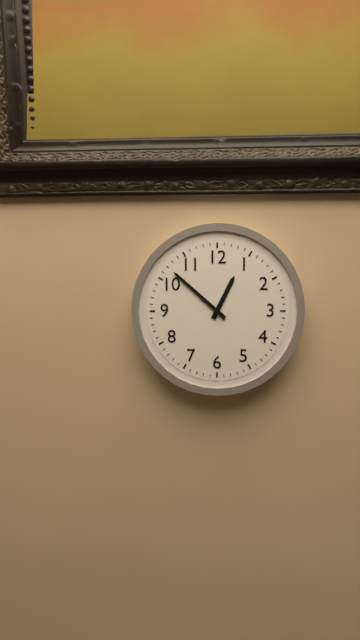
12:52
